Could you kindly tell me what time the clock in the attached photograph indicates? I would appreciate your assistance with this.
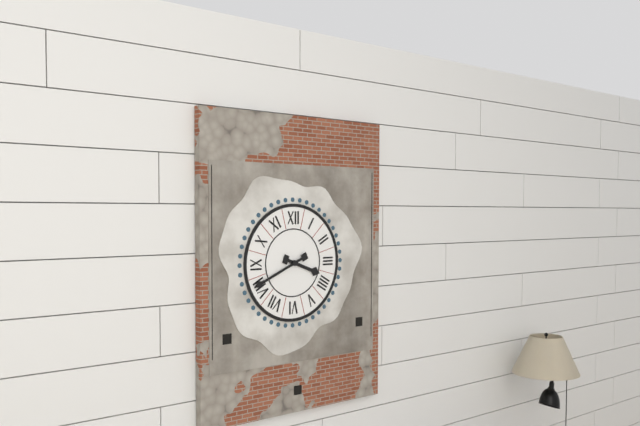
3:41
